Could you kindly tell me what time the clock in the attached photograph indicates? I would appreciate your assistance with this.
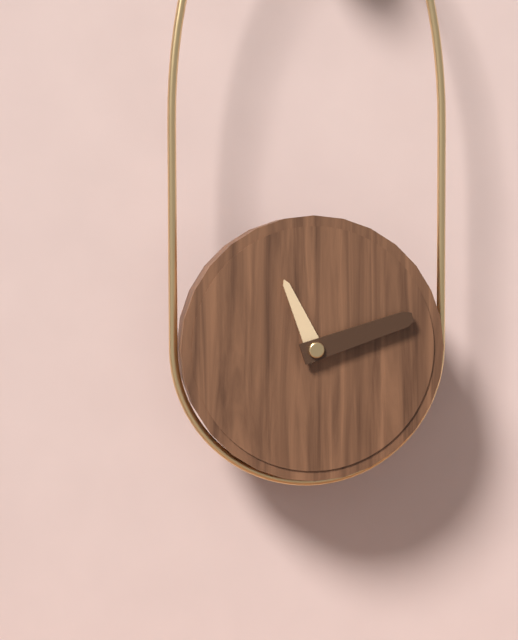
11:12
